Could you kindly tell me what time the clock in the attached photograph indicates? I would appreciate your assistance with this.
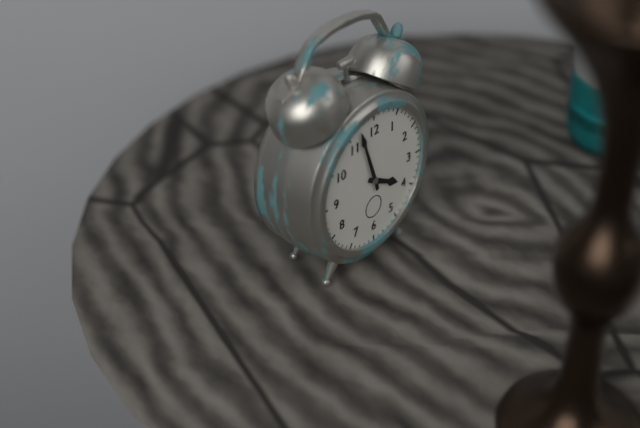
3:57
